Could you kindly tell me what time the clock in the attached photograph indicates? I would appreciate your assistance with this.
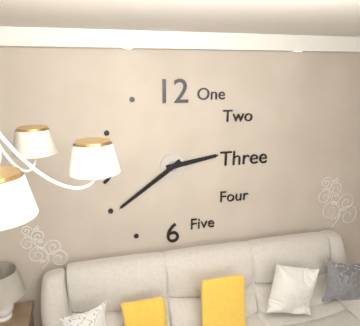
2:39
